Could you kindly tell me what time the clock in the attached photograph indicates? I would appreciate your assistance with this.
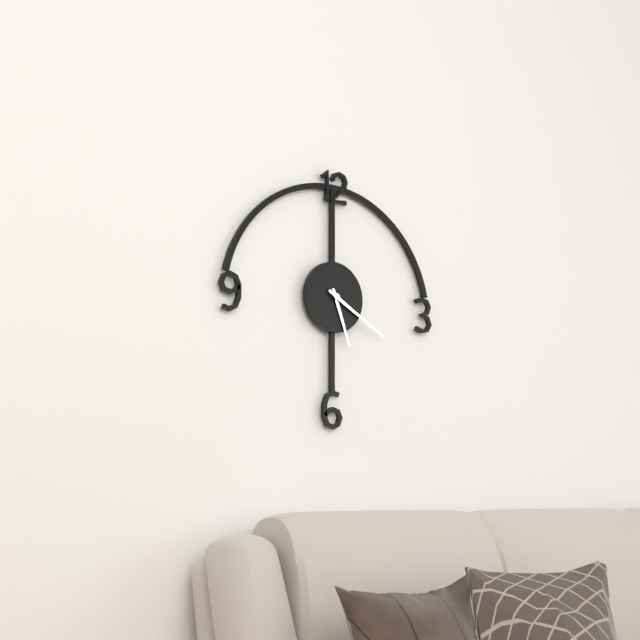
5:20
